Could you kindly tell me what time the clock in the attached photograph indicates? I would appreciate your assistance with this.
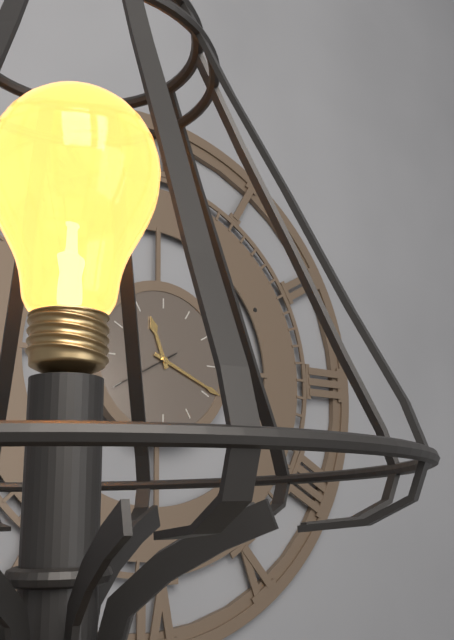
11:19:40
